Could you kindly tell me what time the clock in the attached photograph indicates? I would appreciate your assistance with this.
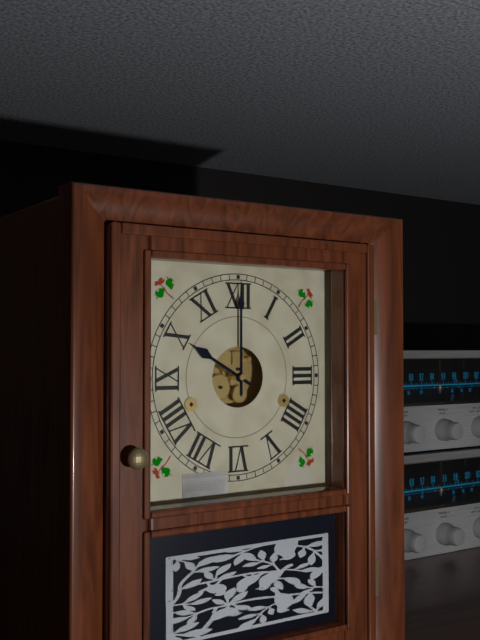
10:00
